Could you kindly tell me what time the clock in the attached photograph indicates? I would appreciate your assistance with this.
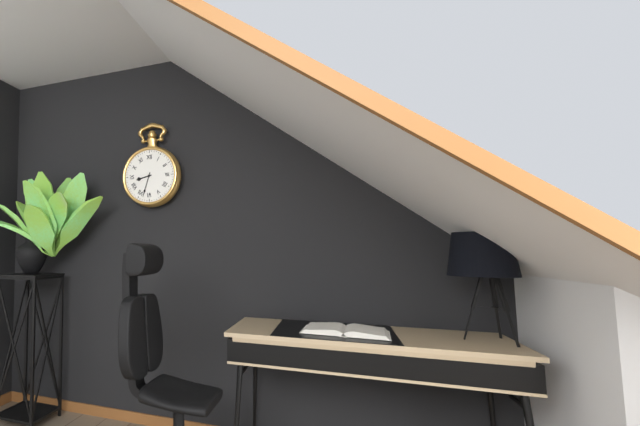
8:33
